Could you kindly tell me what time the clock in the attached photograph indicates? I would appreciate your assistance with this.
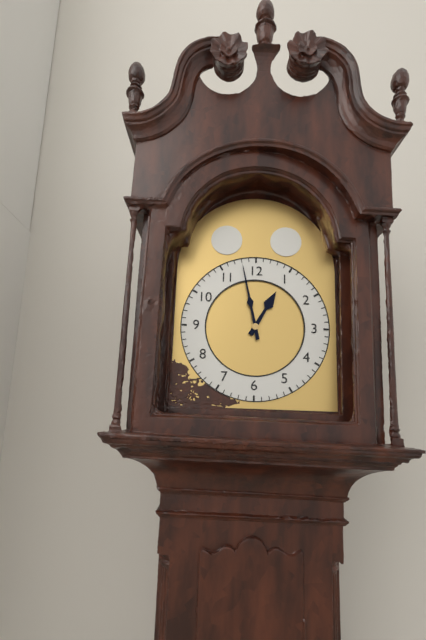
12:58
